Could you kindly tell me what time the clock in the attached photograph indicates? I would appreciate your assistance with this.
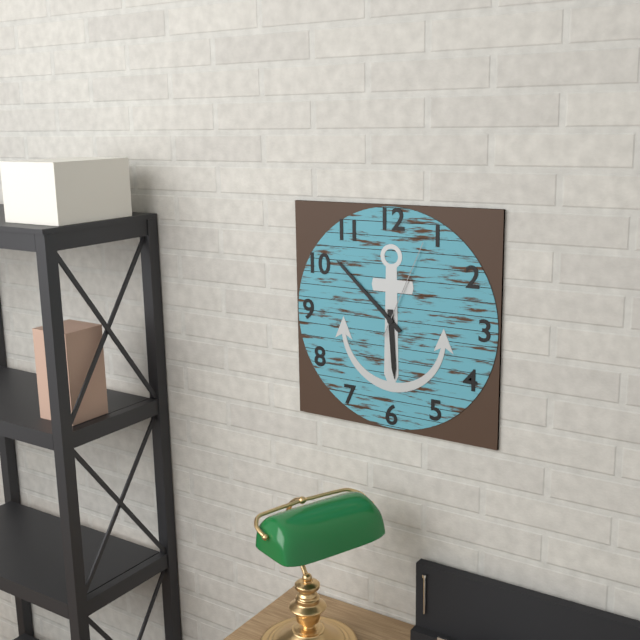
5:52:04
